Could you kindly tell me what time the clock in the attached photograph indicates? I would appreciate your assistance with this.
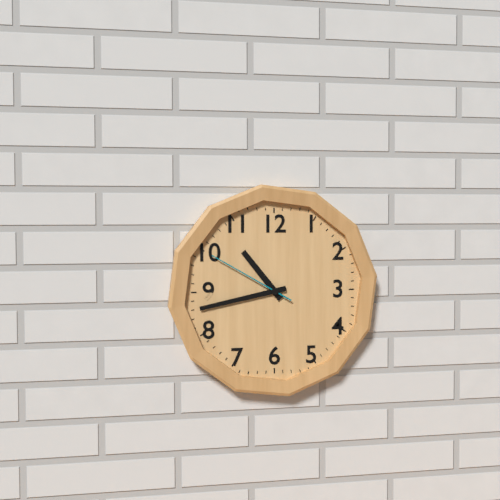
10:43:50
